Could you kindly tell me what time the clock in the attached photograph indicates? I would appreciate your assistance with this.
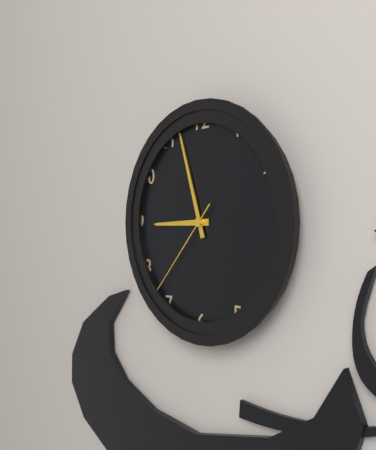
8:57:37
